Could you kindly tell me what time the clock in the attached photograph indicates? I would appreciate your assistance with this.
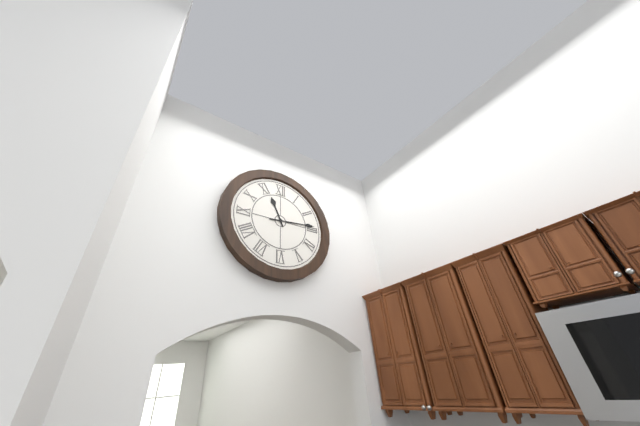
11:14
